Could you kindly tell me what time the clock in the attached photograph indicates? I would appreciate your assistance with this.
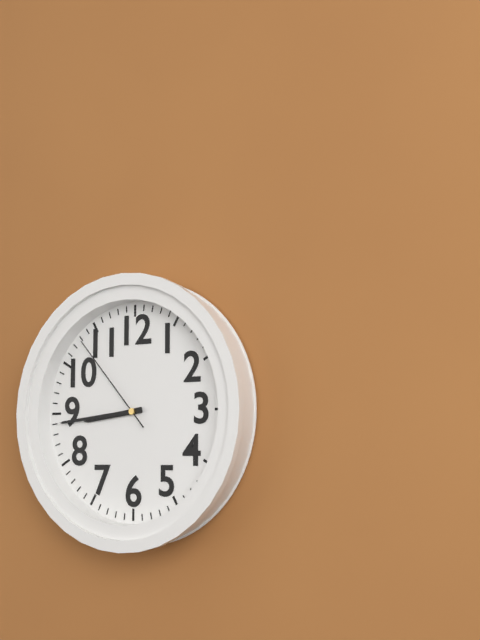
8:44:53
